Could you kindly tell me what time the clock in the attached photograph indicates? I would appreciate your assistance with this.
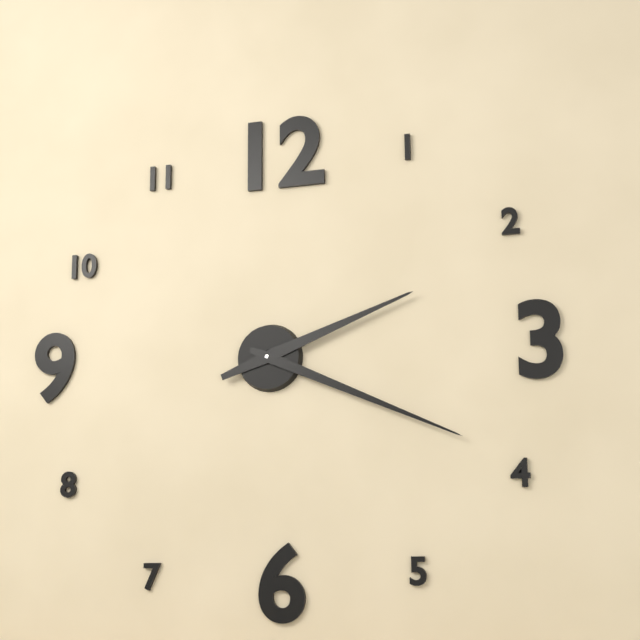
2:19
